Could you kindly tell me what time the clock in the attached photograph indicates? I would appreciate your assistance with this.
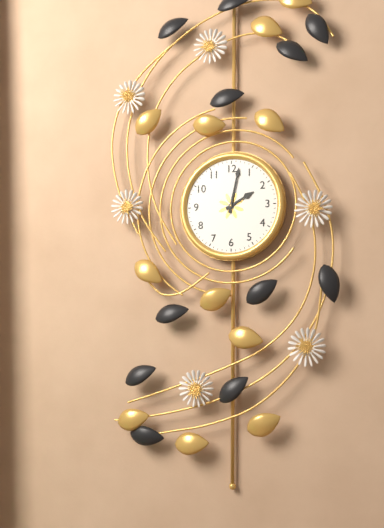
2:02
